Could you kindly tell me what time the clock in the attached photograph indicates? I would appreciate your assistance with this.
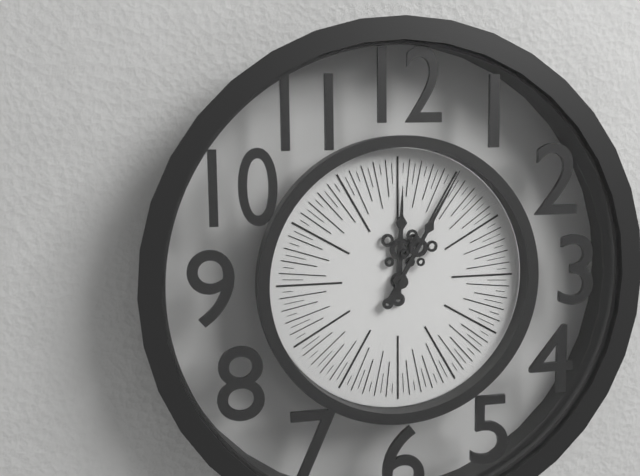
12:05
